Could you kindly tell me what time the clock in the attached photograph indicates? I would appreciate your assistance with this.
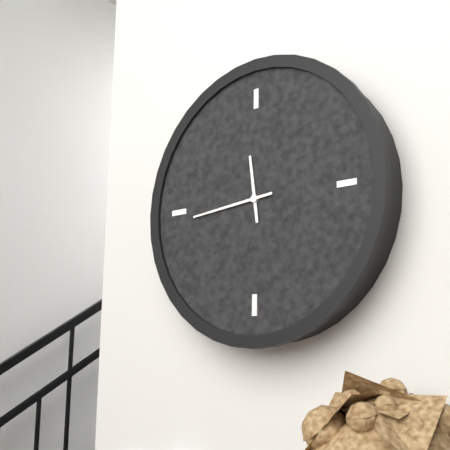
11:44
